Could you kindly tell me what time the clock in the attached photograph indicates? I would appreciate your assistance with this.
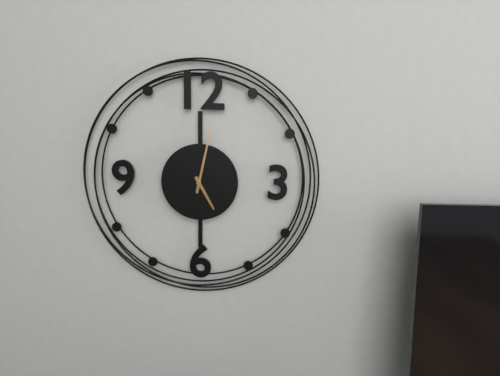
5:02
